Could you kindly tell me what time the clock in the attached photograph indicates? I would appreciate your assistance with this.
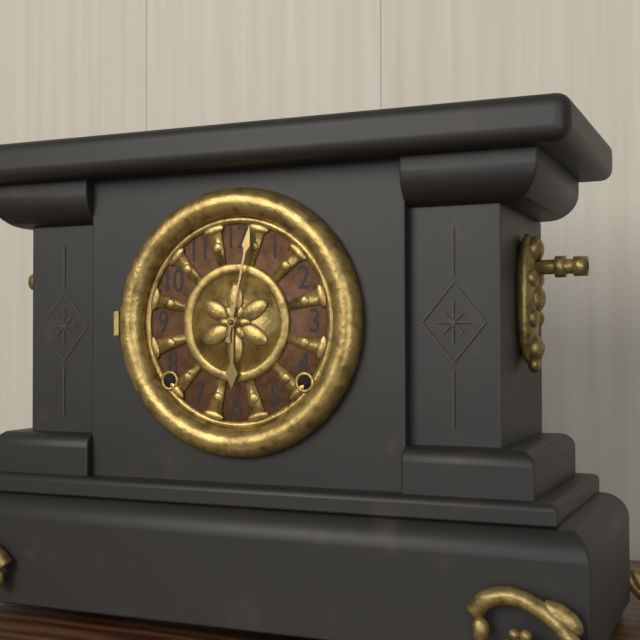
6:02
